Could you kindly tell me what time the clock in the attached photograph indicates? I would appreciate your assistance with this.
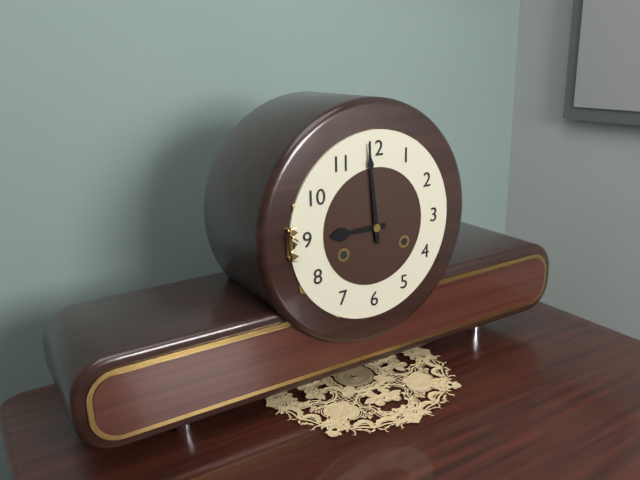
8:59
